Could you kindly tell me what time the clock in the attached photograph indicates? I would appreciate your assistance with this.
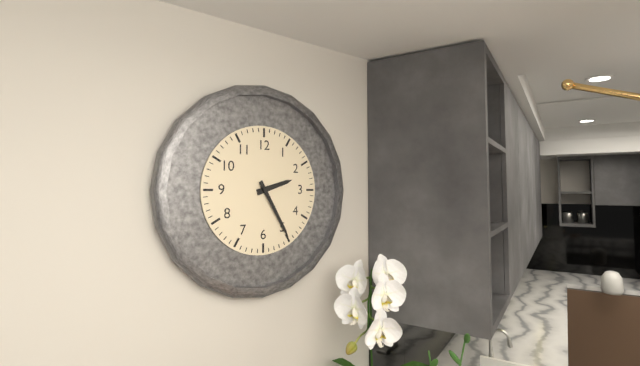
2:25
